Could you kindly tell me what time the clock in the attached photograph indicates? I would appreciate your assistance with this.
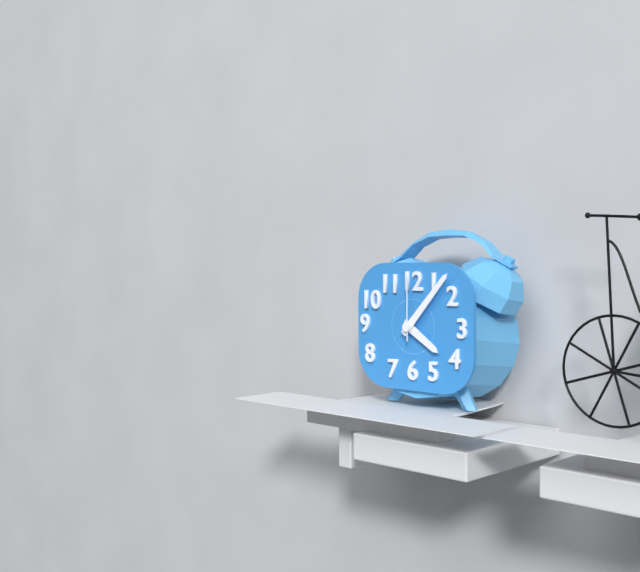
4:07:00
